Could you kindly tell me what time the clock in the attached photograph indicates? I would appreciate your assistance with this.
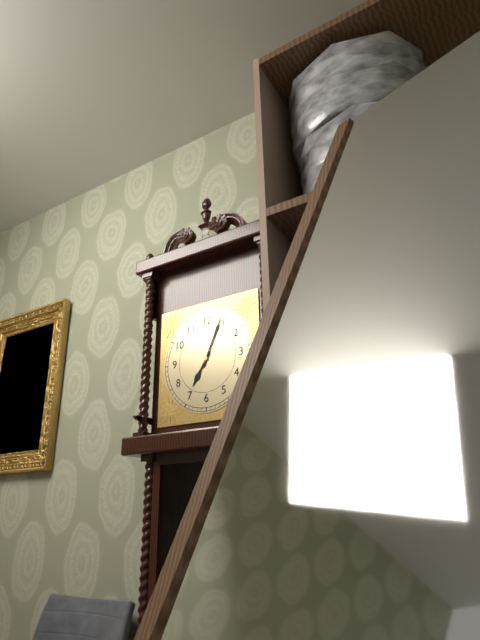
7:04
